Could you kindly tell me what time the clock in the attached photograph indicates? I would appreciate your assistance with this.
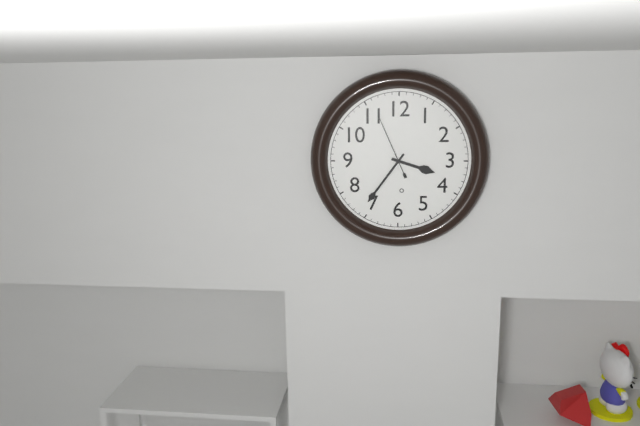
3:36:56
